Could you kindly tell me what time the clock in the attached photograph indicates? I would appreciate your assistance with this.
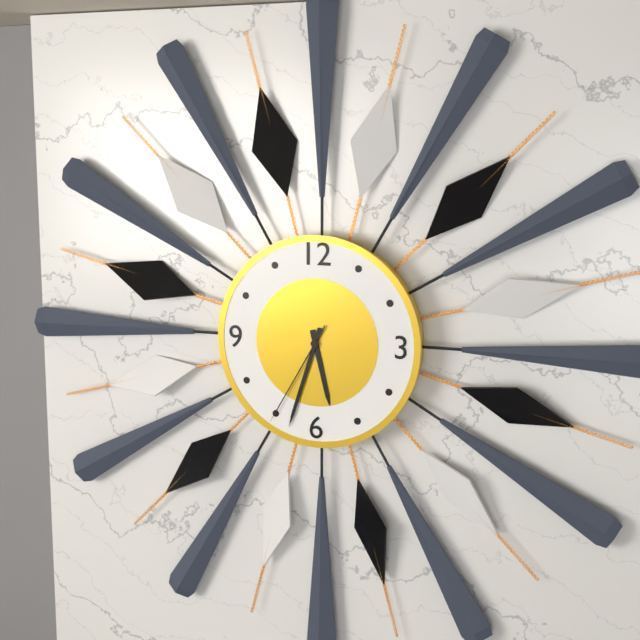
5:33:35
